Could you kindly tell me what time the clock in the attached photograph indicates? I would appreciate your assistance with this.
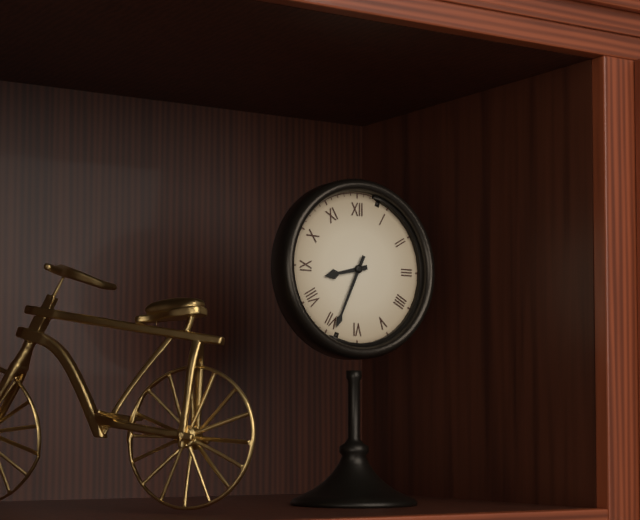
8:34
